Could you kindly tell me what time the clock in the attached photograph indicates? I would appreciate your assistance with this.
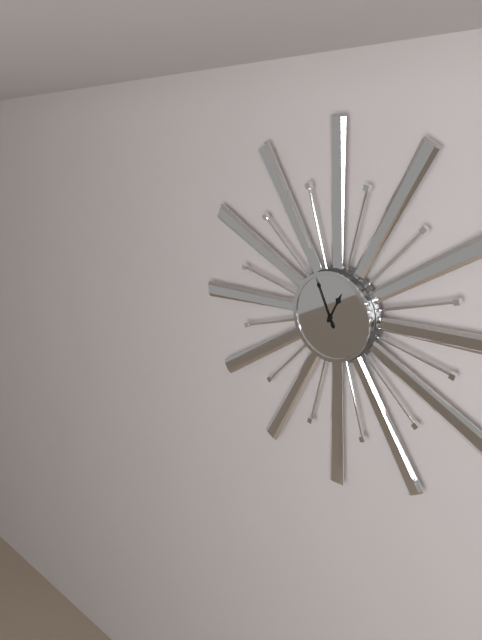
12:56
